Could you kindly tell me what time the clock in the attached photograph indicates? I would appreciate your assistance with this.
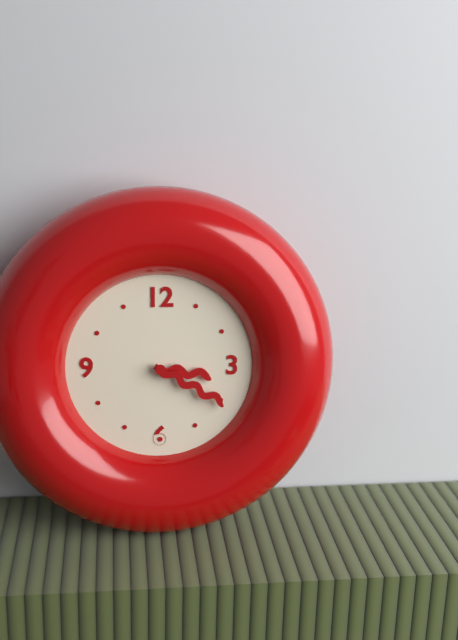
3:20
